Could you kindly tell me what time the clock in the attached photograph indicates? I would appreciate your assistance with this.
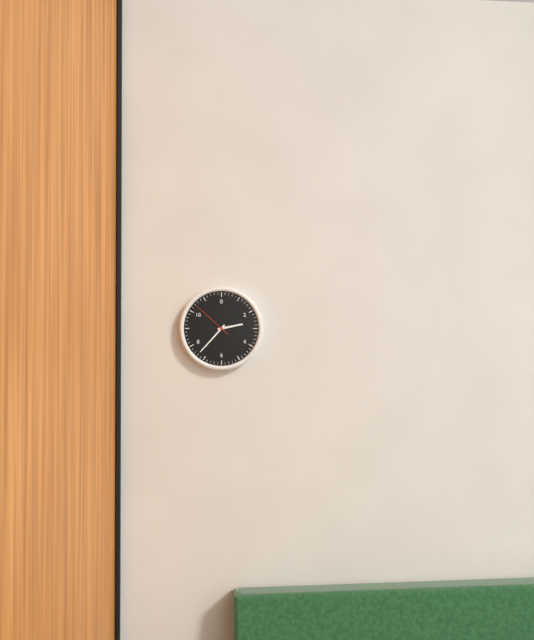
2:37
